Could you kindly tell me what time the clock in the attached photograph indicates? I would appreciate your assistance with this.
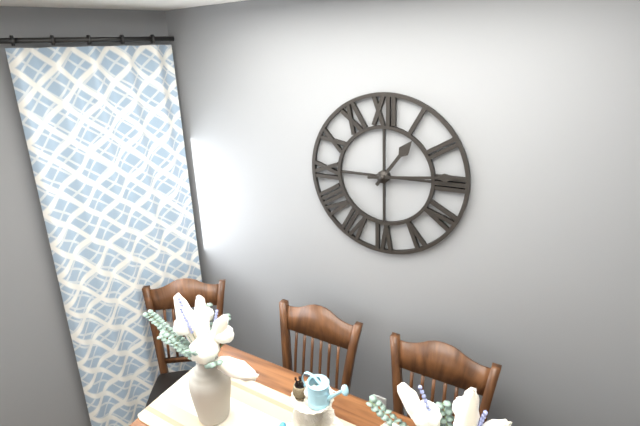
1:14
